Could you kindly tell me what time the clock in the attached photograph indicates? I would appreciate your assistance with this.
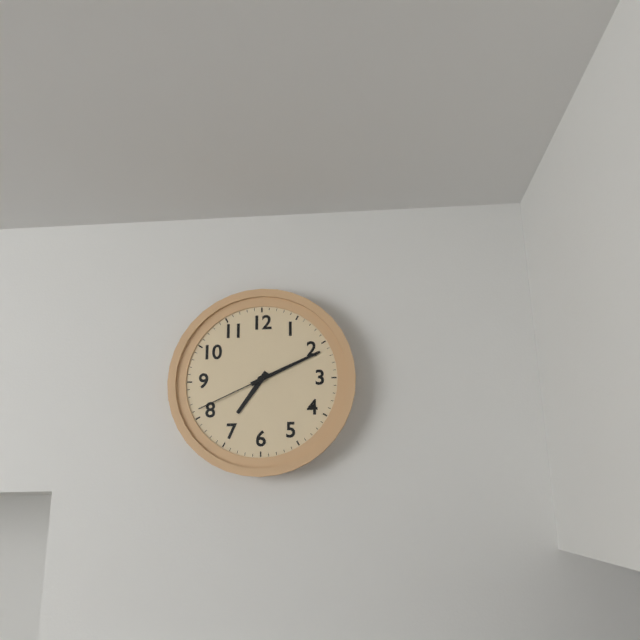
7:11:41
